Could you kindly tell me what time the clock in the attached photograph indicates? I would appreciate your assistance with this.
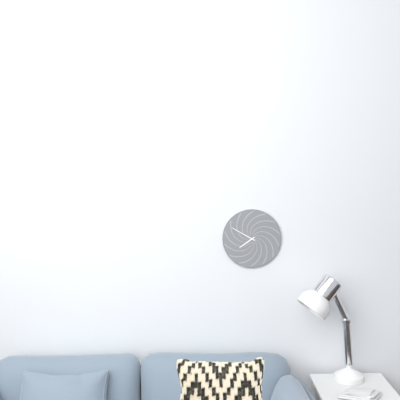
7:50
